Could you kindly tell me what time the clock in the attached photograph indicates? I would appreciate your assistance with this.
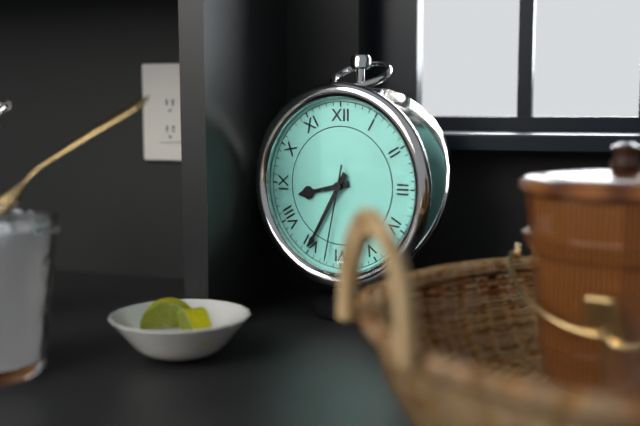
8:35:32
